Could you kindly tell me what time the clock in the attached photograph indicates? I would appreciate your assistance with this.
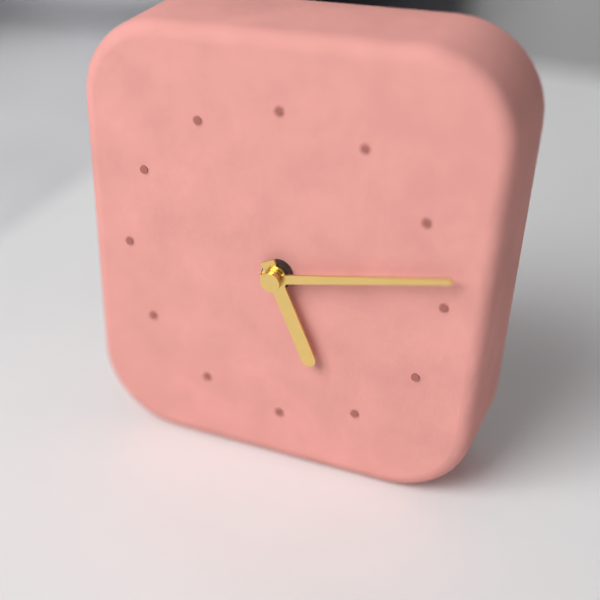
5:13
